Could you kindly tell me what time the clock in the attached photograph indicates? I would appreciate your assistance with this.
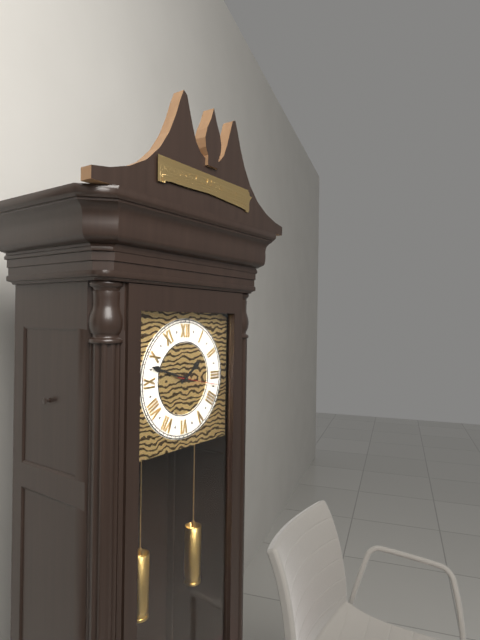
1:48
